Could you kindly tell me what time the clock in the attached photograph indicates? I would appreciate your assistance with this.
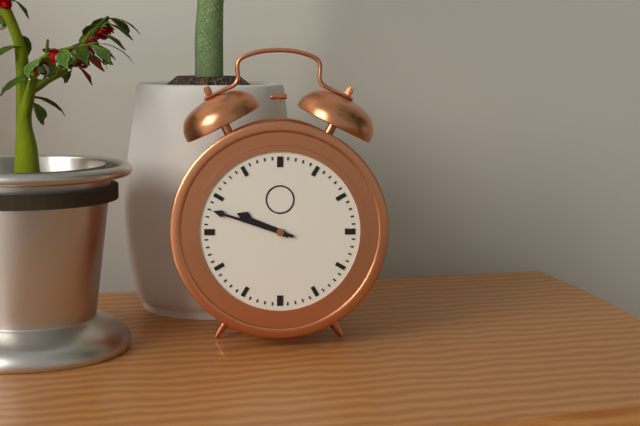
9:48
